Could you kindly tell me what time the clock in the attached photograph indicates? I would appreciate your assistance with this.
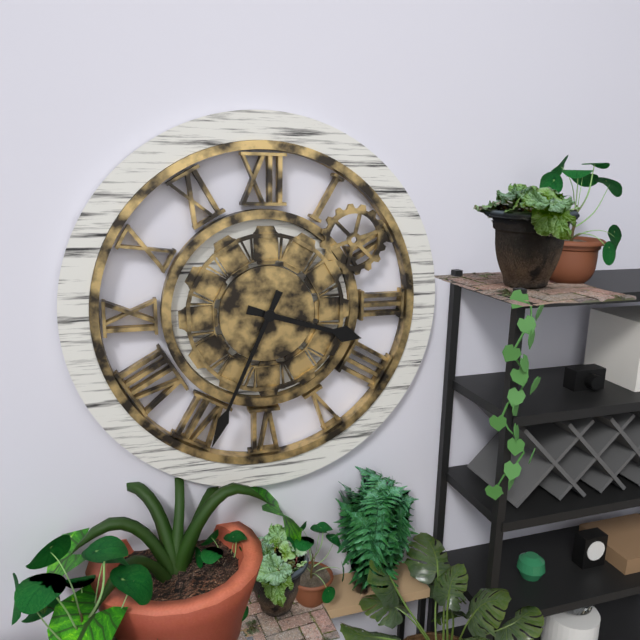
3:34
